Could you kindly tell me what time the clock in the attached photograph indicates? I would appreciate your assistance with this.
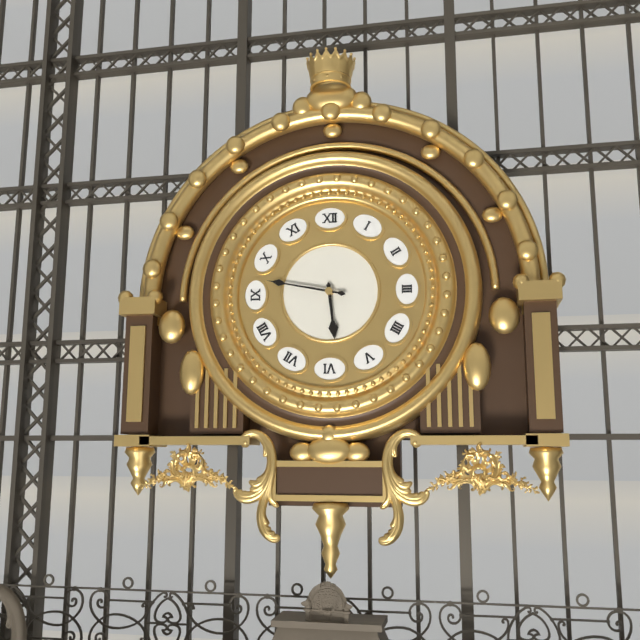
5:47
